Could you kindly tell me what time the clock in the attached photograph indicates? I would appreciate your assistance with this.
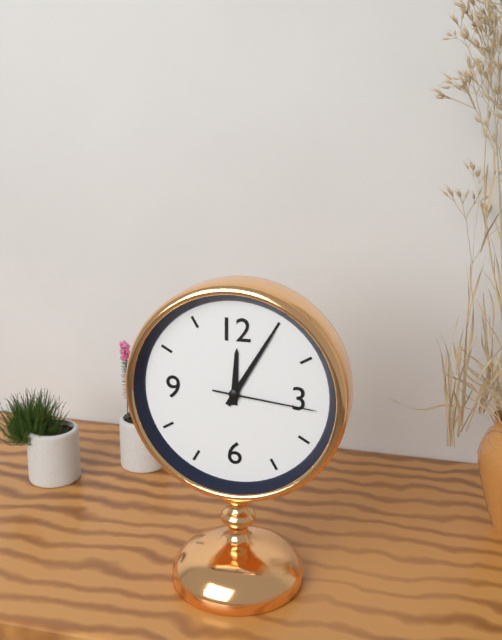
12:05:16
